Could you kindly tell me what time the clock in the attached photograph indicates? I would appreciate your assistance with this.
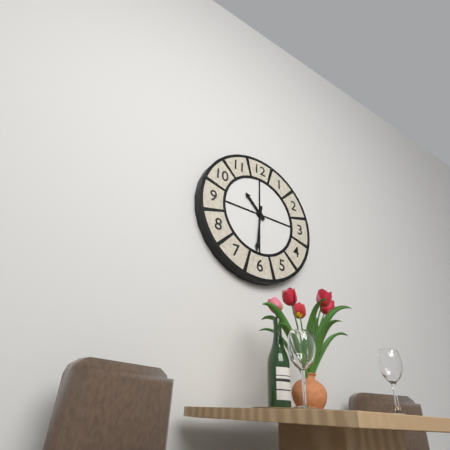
10:31
